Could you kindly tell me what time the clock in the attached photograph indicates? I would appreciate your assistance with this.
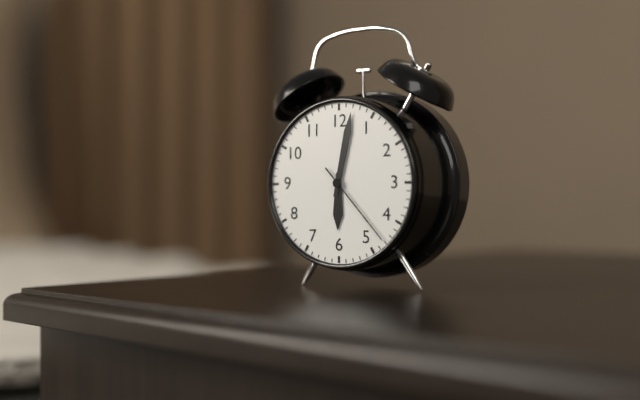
6:02:23
